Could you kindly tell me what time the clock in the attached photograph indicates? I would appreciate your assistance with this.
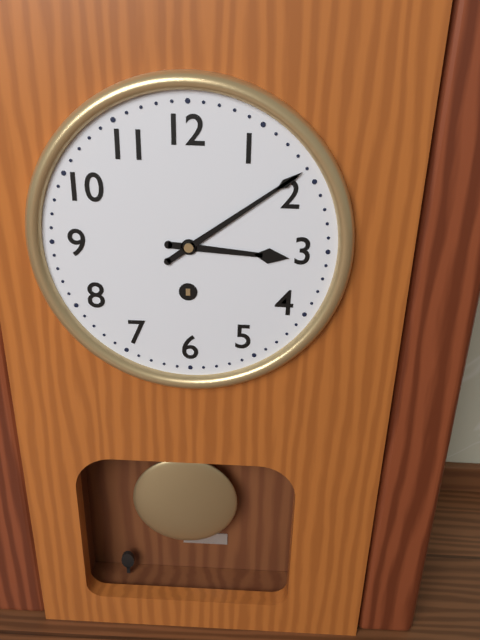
3:09
